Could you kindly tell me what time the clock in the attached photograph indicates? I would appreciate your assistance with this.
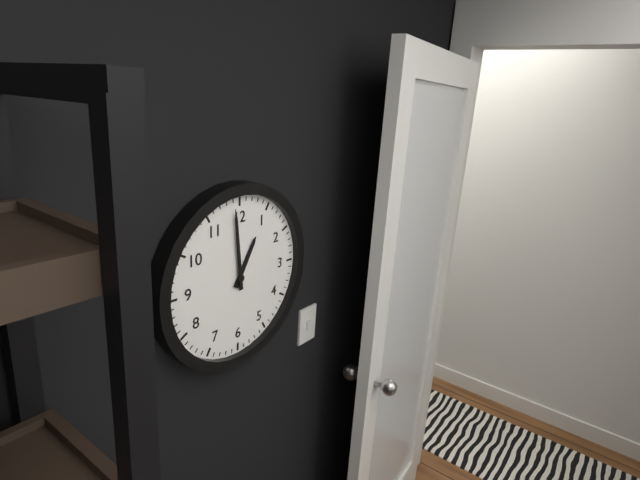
12:59
